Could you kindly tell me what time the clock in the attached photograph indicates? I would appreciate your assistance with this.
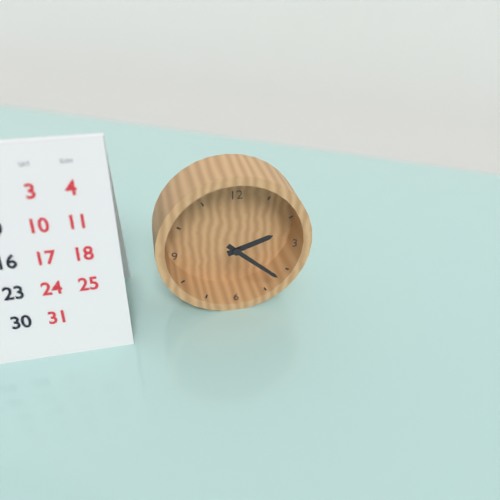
2:22
